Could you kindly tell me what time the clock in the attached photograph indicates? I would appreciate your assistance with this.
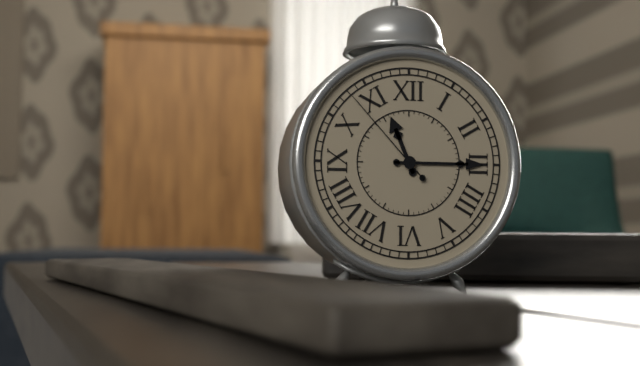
11:15:53
